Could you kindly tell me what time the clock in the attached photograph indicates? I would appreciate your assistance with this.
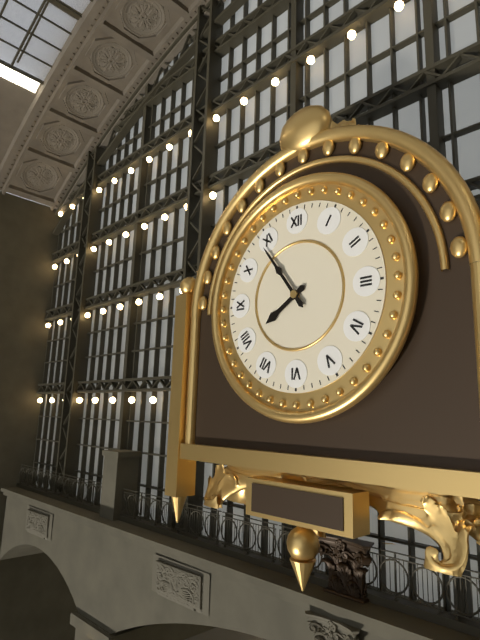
7:54
